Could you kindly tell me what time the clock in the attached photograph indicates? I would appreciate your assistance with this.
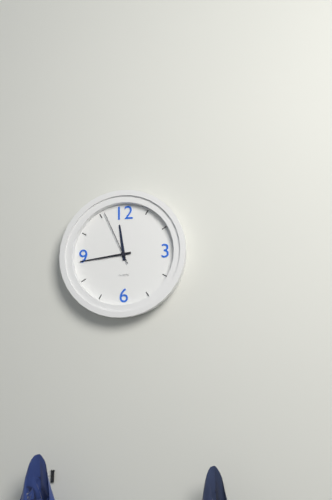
11:44:56
